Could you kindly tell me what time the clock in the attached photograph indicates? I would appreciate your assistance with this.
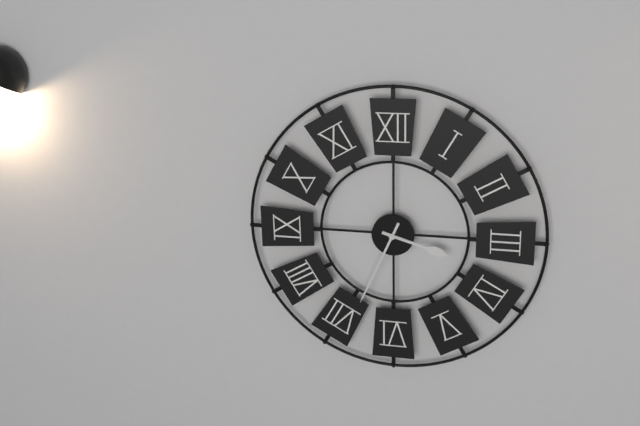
3:34
